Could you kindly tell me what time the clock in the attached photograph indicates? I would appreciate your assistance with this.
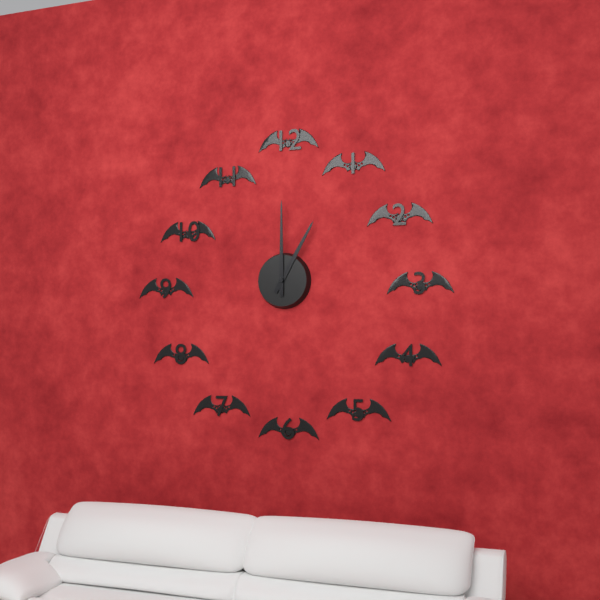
1:00
